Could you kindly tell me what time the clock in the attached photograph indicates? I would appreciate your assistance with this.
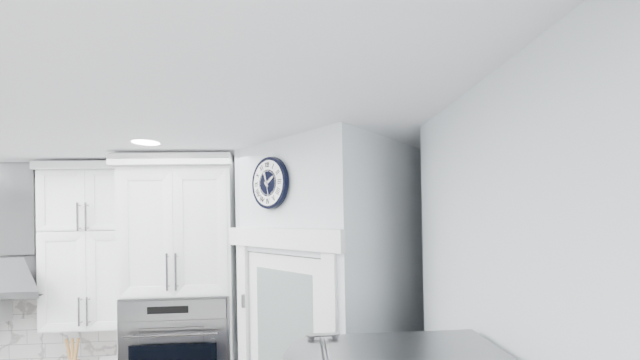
1:56
